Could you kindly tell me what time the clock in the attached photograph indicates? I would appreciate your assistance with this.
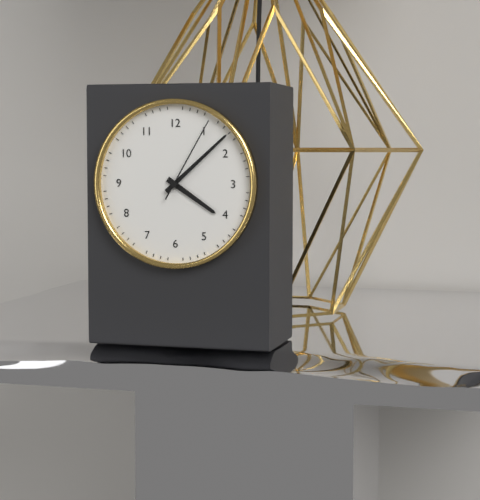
4:08:05
